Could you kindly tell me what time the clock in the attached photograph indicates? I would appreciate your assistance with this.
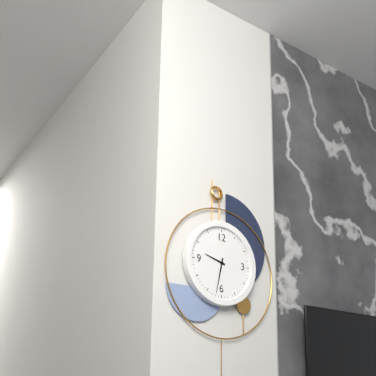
9:32
